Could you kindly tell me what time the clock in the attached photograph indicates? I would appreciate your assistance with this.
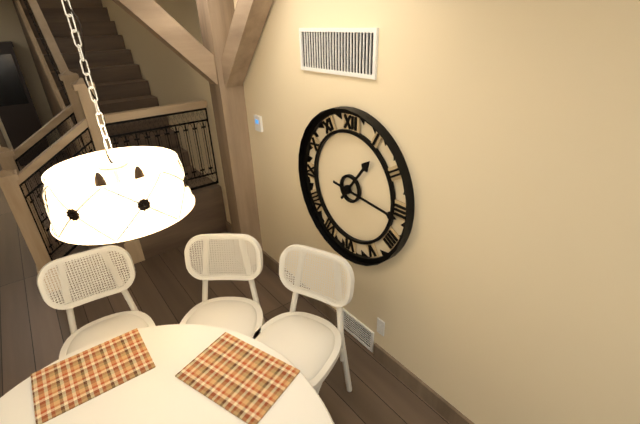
1:16
